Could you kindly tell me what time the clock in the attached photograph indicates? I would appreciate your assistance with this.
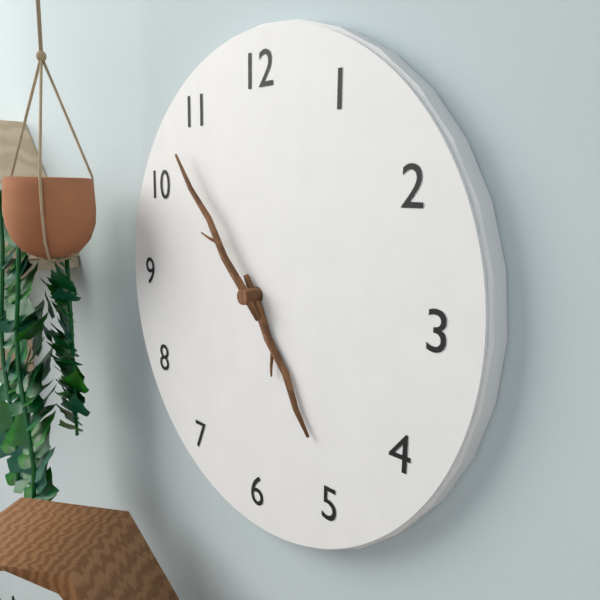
4:53
